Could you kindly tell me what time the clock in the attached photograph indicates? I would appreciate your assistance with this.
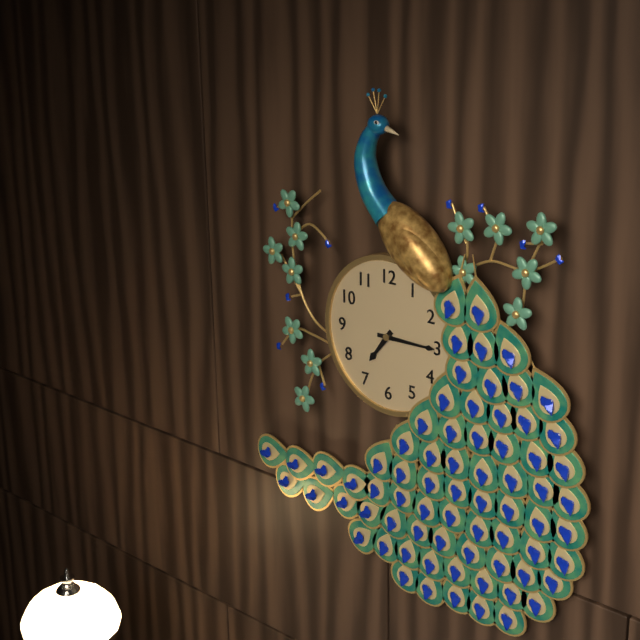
7:15
